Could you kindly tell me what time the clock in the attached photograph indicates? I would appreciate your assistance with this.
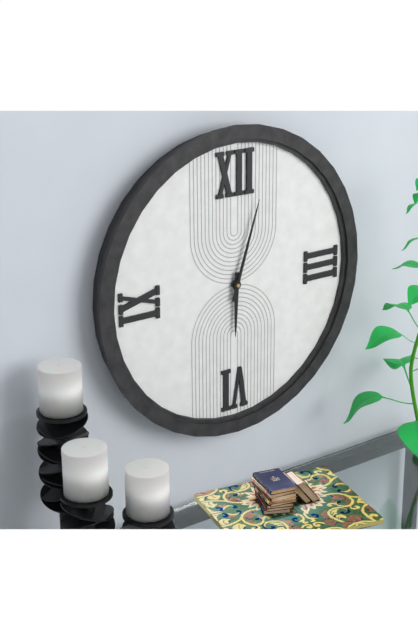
6:03
